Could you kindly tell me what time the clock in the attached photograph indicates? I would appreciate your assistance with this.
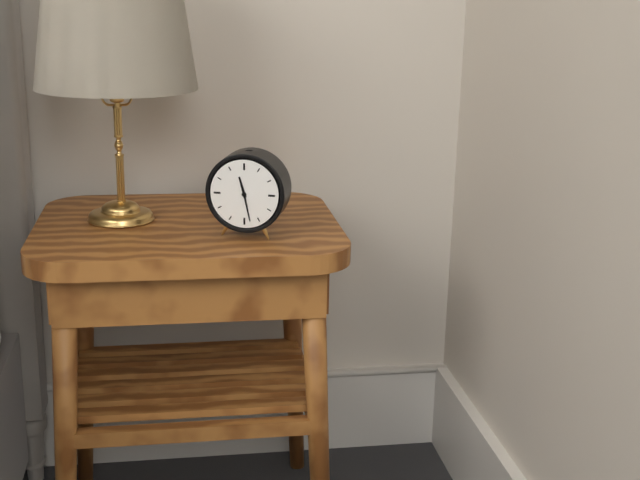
11:28
